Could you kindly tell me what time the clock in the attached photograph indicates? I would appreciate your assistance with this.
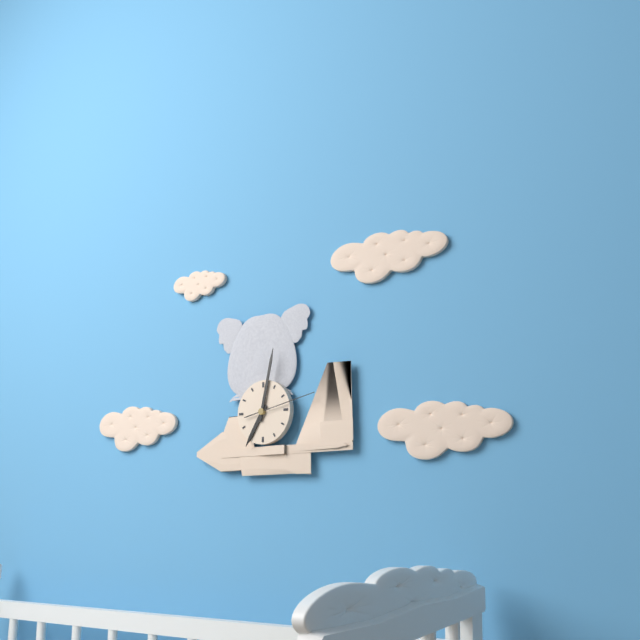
7:02:13
